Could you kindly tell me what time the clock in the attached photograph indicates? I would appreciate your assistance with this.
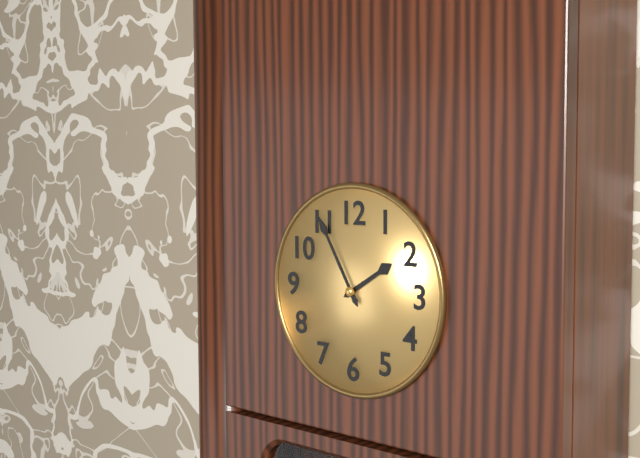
1:55
